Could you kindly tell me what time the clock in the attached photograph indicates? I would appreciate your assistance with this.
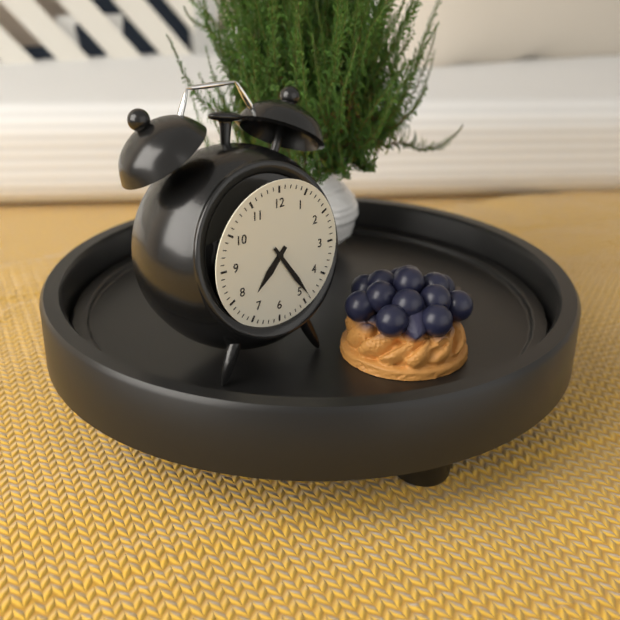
7:24
